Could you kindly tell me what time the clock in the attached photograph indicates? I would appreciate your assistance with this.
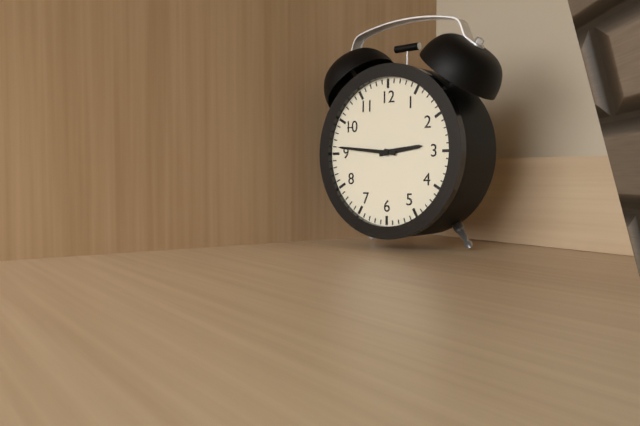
2:46
